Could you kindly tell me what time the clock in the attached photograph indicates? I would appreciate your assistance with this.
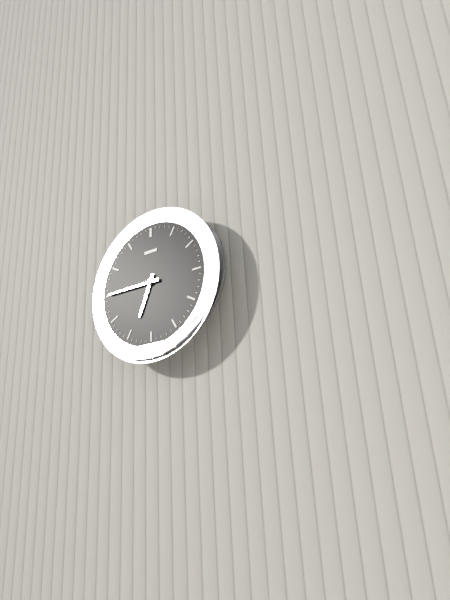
6:45
